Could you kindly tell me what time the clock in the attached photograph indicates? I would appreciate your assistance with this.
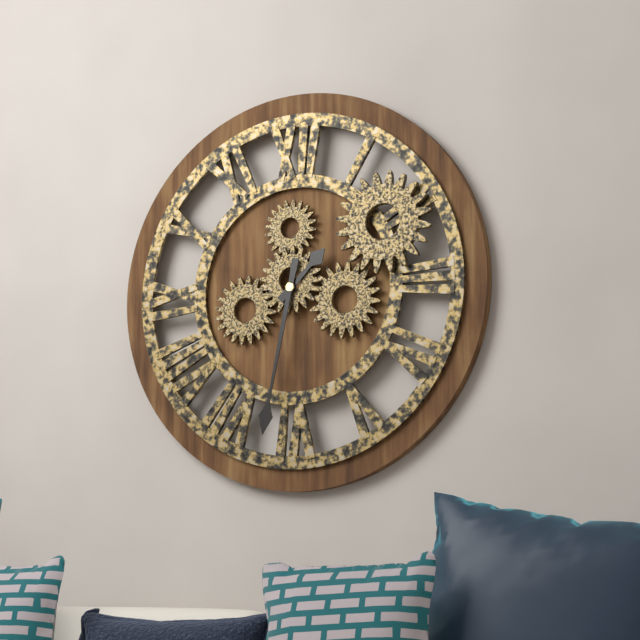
1:32
